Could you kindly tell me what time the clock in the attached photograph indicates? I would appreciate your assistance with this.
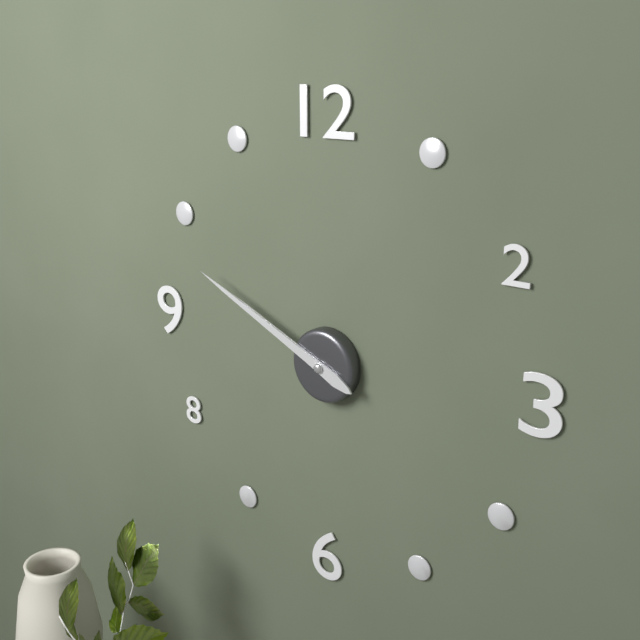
9:49
